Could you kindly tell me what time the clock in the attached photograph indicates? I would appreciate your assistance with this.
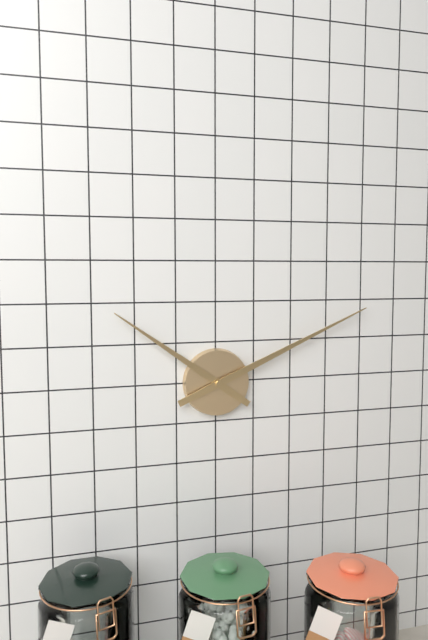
10:11
